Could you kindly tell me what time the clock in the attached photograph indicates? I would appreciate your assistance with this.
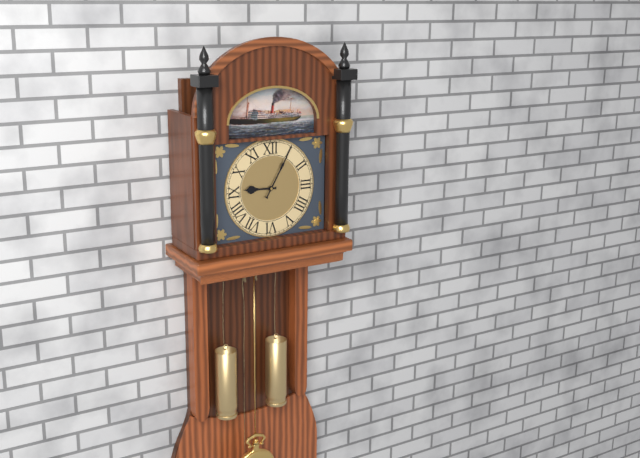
9:05
